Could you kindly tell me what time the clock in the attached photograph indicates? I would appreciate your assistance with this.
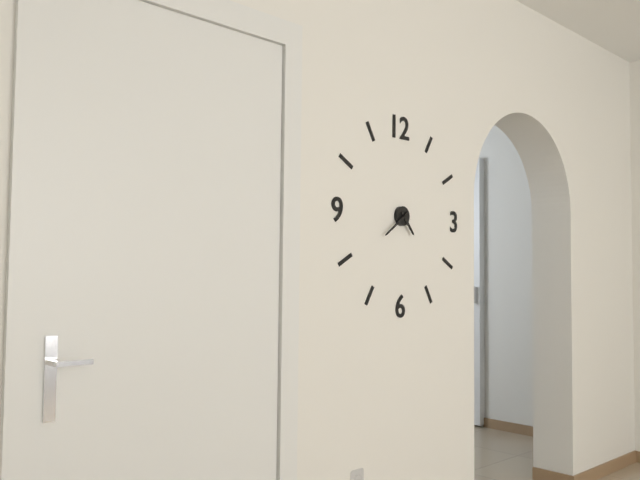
4:39
